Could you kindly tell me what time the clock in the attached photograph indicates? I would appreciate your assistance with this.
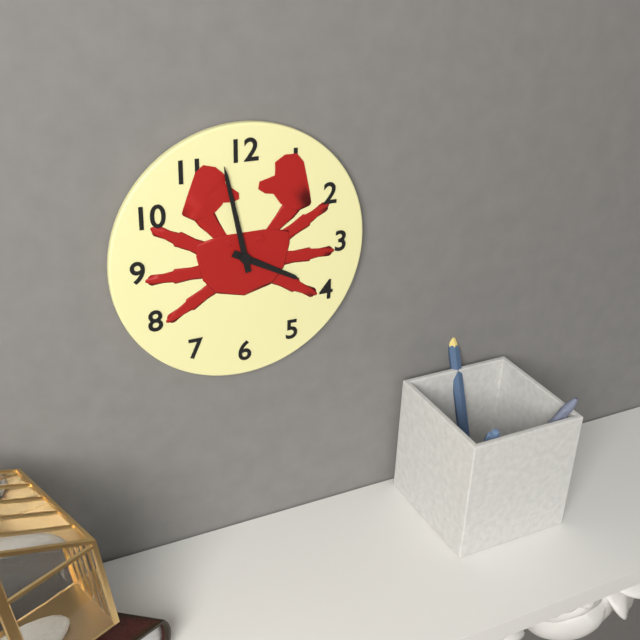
3:58
